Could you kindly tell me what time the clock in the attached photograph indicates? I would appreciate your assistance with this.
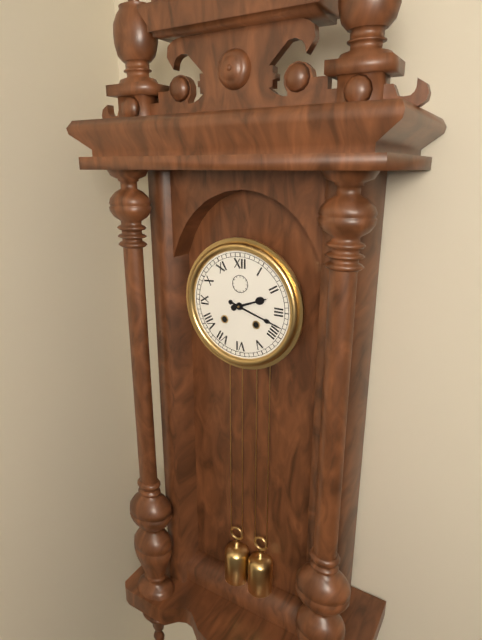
2:18
